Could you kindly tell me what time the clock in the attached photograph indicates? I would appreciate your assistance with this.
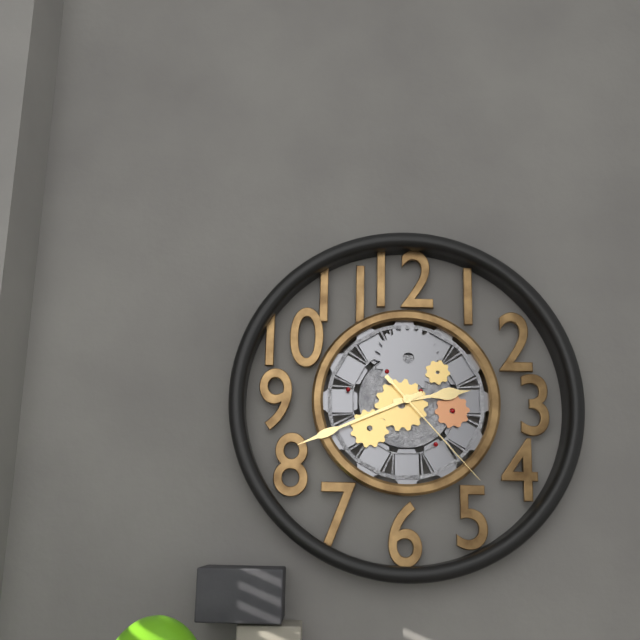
2:41:23
